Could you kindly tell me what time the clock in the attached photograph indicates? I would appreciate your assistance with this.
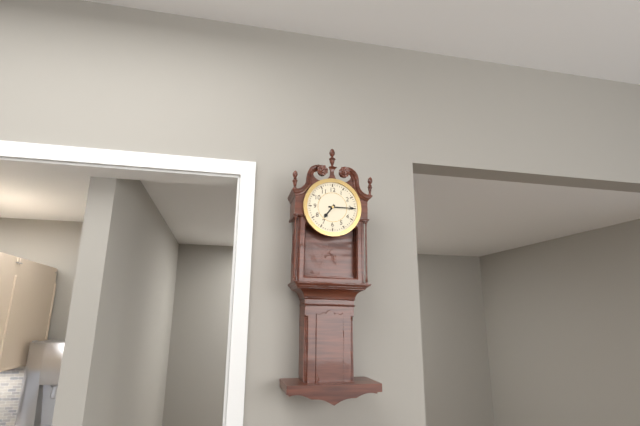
7:15
